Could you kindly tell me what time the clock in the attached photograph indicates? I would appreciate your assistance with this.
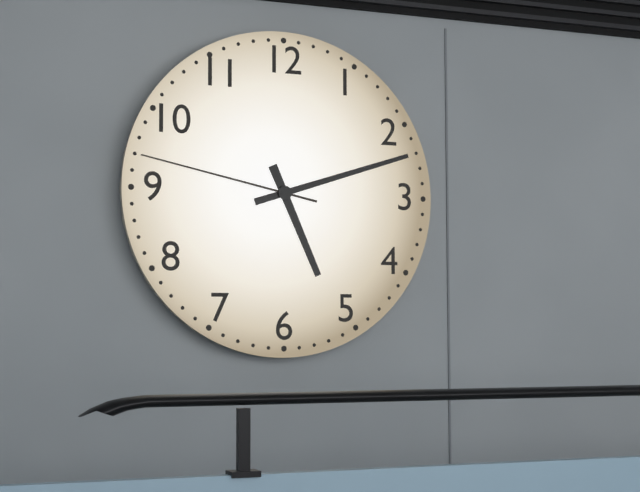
5:12:47
